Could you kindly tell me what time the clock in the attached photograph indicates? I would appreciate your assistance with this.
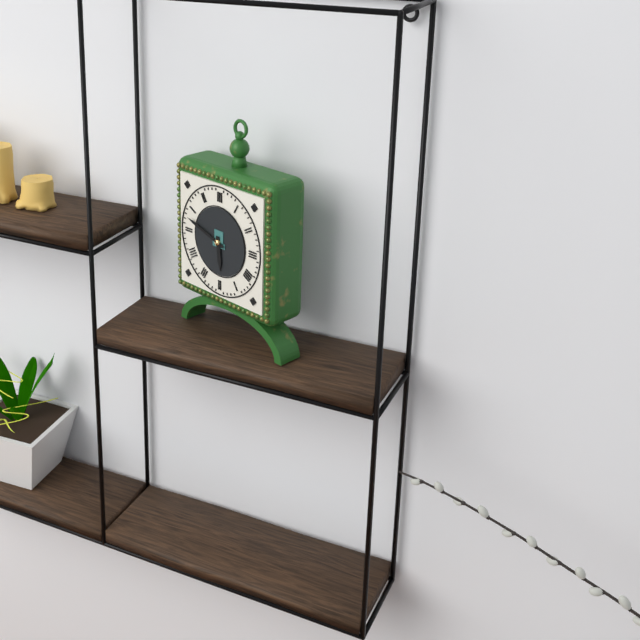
5:48
